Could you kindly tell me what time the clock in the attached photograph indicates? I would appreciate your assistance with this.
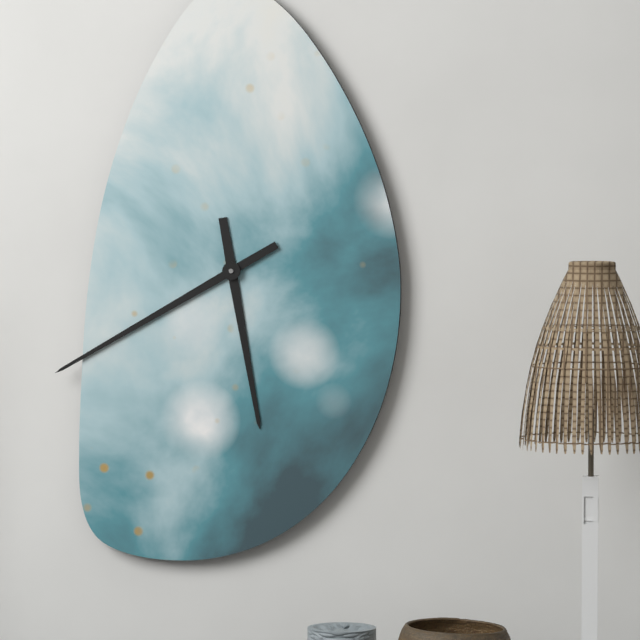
5:40
